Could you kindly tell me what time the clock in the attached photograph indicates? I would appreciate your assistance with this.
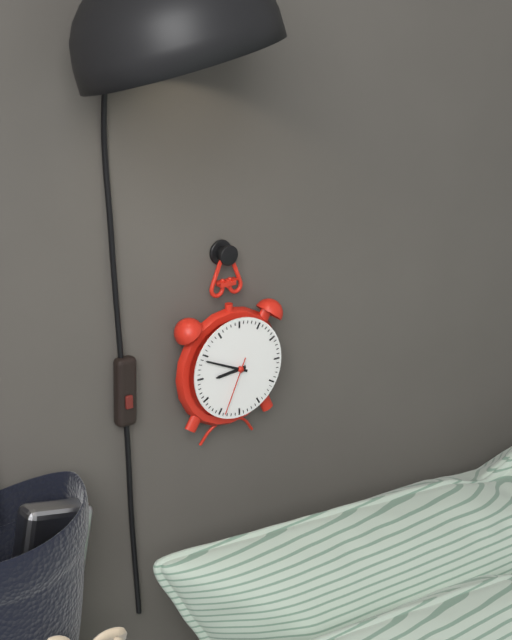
8:49:34
